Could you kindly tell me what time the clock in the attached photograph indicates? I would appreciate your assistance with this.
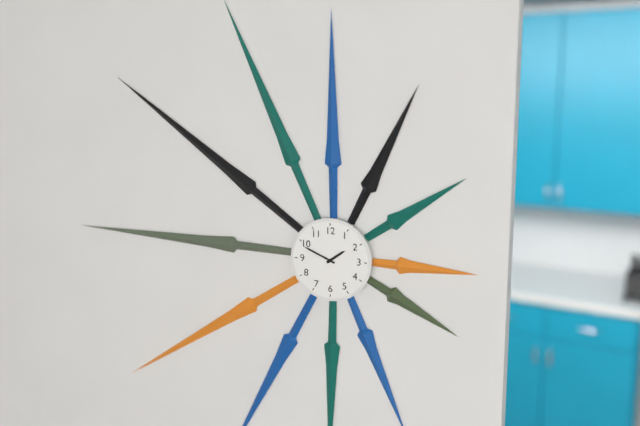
1:49
